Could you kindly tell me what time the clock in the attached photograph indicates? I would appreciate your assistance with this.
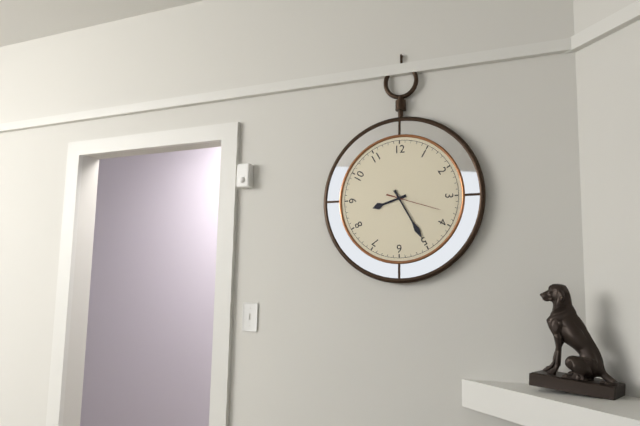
8:25:18
